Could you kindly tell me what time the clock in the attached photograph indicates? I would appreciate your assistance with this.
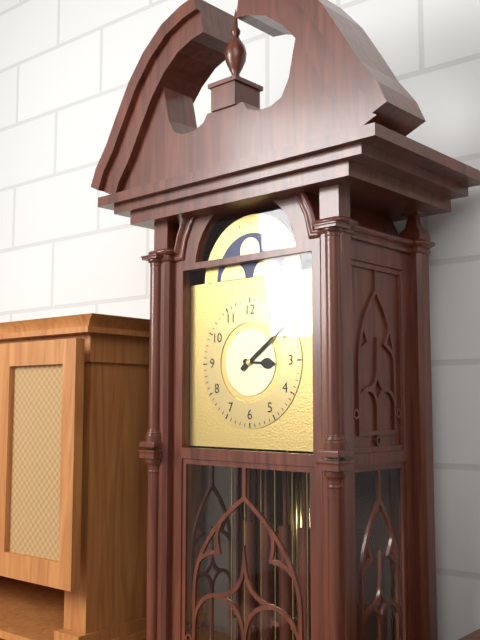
3:09
